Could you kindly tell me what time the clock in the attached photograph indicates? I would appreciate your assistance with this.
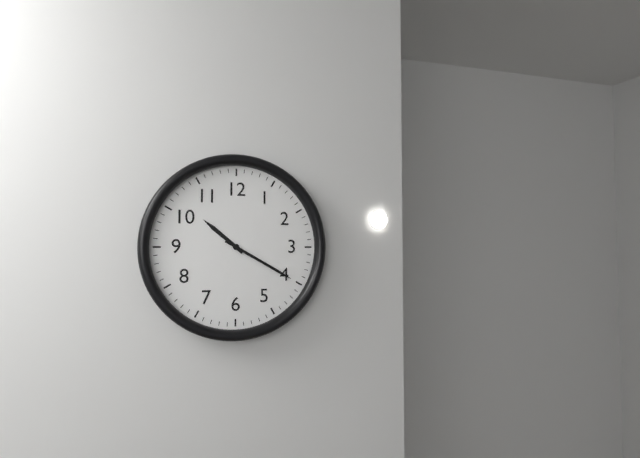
10:20
